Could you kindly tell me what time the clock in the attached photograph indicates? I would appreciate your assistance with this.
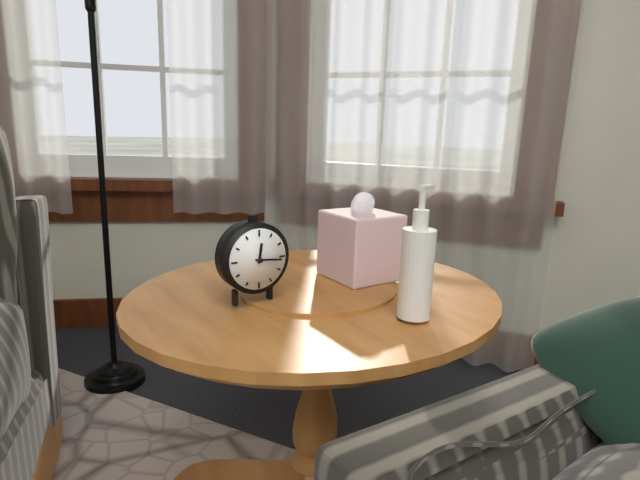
12:16
